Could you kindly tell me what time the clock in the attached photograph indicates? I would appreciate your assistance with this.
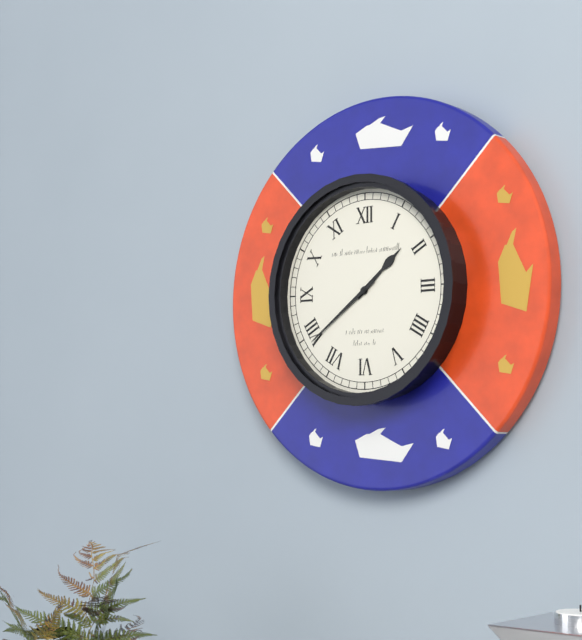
1:39
